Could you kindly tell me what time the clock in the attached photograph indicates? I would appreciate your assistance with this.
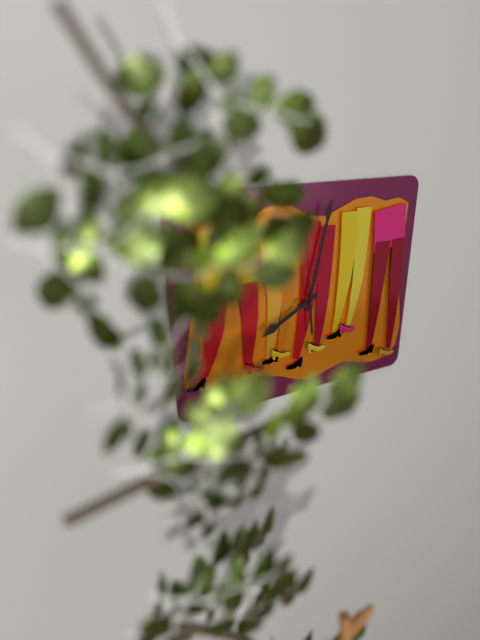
8:02:59
